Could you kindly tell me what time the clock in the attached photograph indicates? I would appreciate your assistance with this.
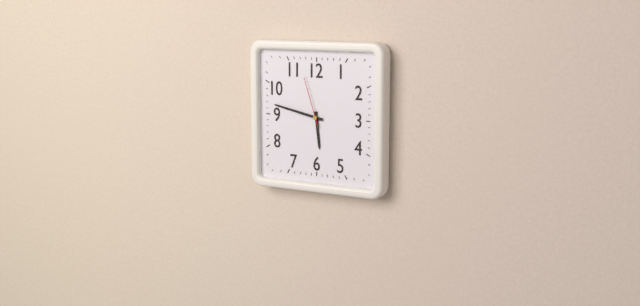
5:47:57
